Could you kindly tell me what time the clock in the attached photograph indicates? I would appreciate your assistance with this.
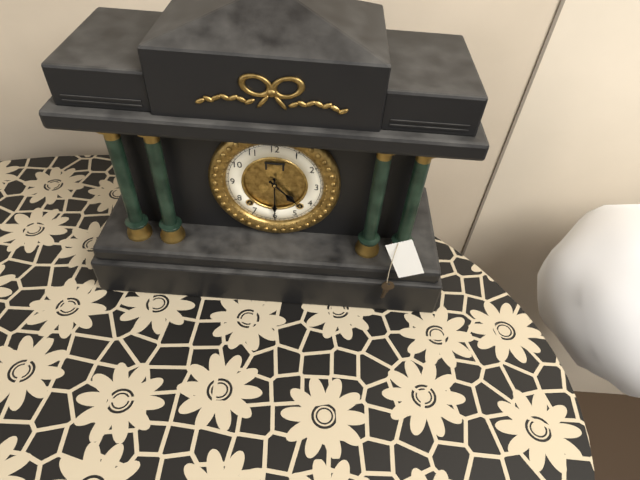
4:30
